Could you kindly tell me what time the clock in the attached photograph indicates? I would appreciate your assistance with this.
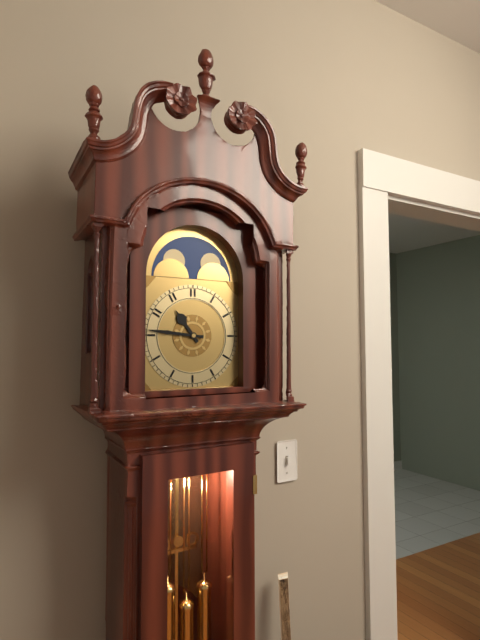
10:46
